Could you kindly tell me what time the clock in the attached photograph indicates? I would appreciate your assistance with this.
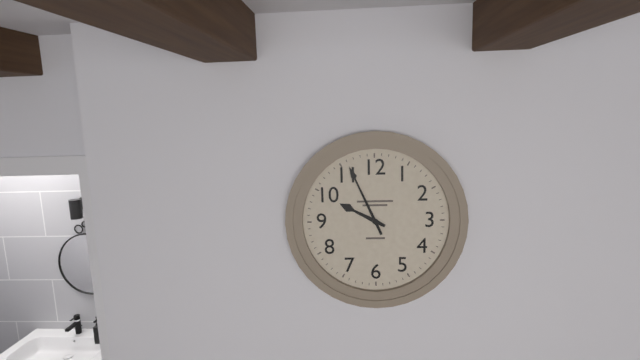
9:56
